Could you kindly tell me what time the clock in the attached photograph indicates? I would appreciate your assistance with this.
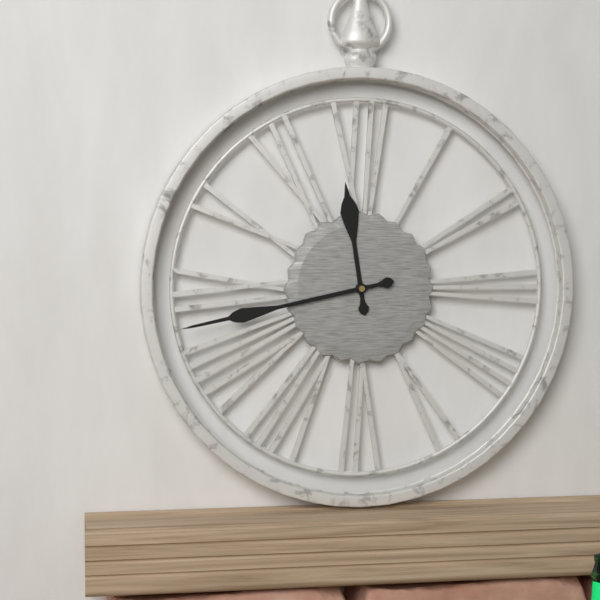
11:43
